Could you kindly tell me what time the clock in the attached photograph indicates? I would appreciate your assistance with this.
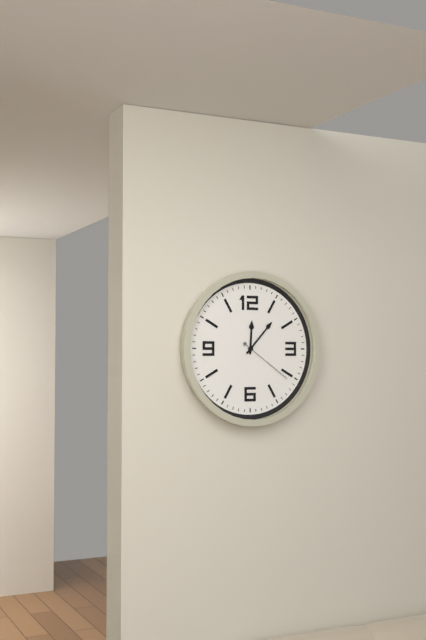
12:07:21
